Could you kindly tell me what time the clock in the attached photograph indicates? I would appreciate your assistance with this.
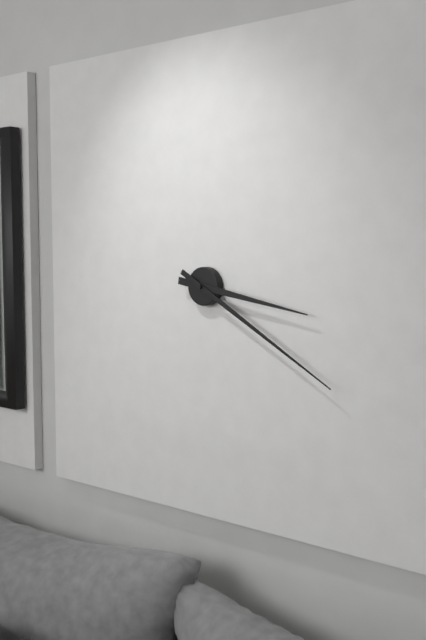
3:20
